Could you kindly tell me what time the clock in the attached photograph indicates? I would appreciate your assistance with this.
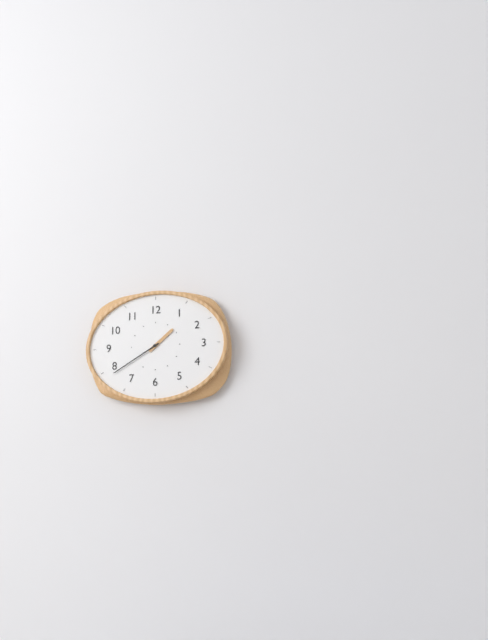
1:40
